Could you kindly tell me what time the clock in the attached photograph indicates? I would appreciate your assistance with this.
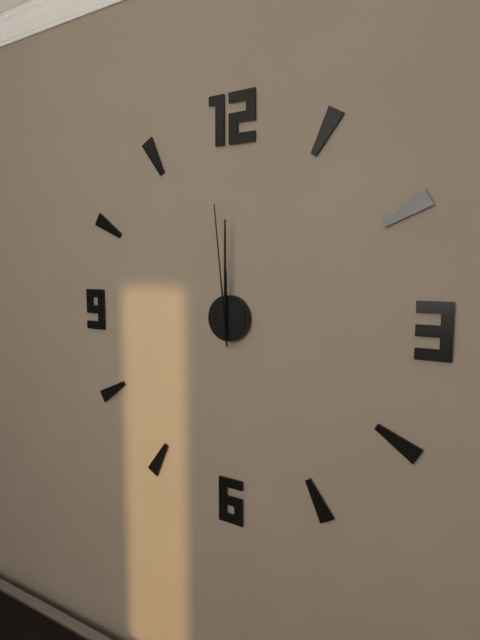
12:00:59
